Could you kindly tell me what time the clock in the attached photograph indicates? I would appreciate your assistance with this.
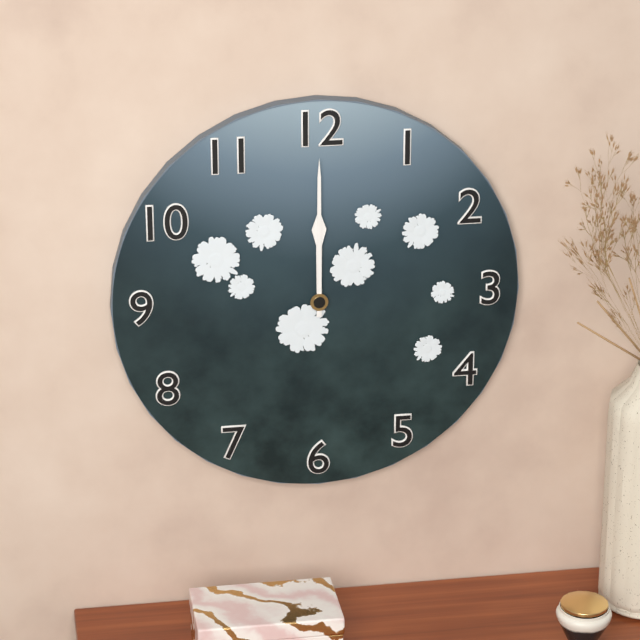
12:00
